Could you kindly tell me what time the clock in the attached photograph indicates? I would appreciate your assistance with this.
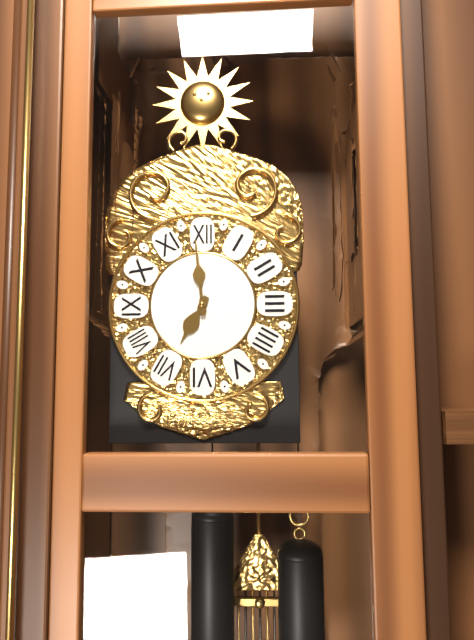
6:59
